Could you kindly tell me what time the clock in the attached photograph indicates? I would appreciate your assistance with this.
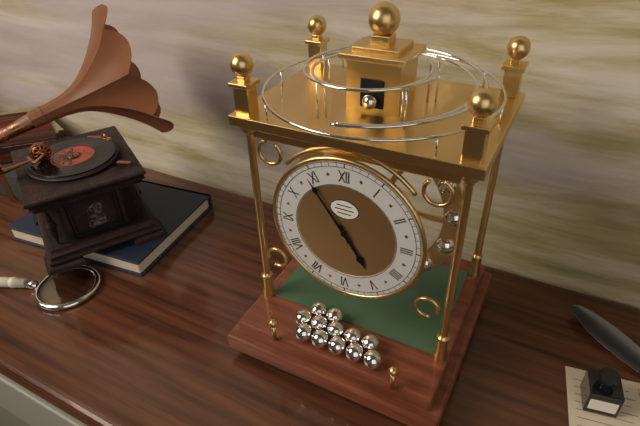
4:54
